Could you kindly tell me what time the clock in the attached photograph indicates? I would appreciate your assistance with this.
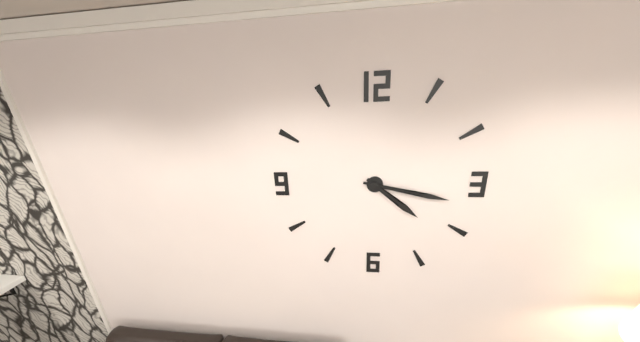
4:17
